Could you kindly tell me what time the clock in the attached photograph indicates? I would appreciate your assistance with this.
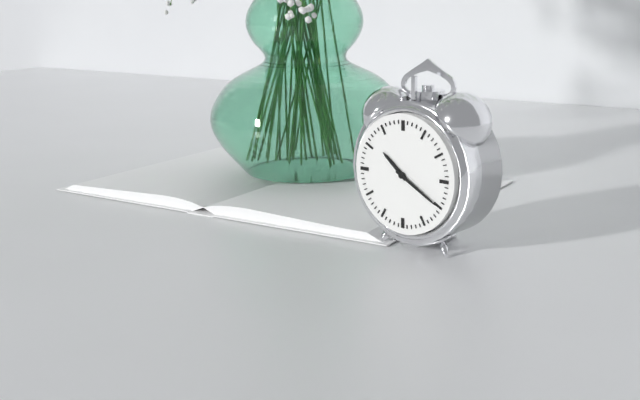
10:20
